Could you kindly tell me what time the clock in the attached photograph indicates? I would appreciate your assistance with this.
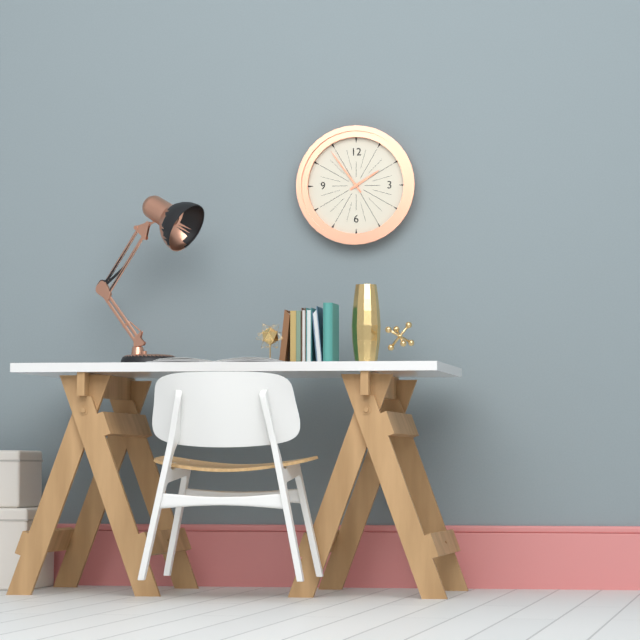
1:54
